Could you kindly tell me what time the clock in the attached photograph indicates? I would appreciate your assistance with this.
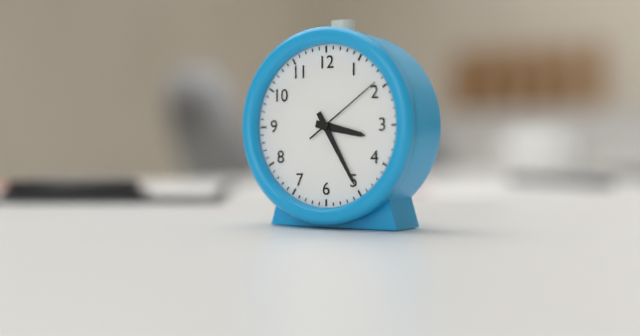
3:25:09
